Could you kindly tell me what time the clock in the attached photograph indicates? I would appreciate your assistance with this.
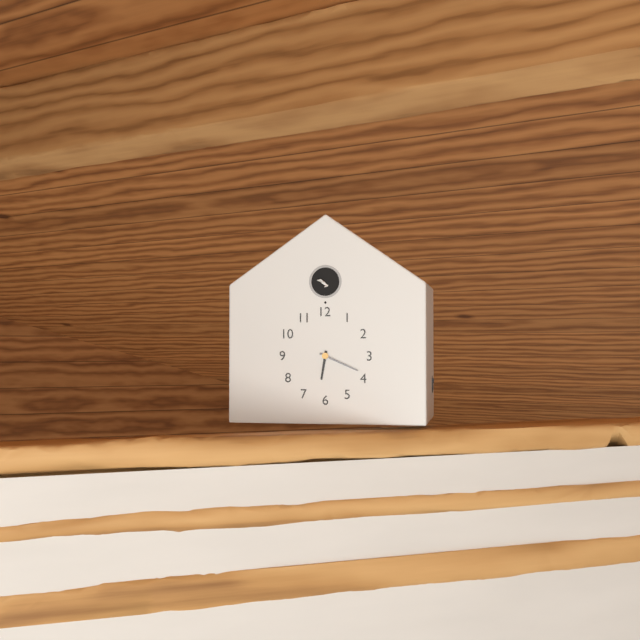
6:19
